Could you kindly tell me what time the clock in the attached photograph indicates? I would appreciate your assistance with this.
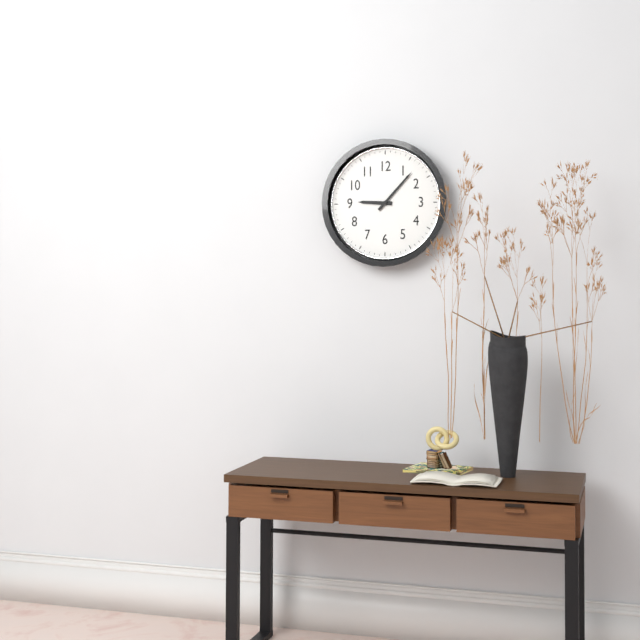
9:07
